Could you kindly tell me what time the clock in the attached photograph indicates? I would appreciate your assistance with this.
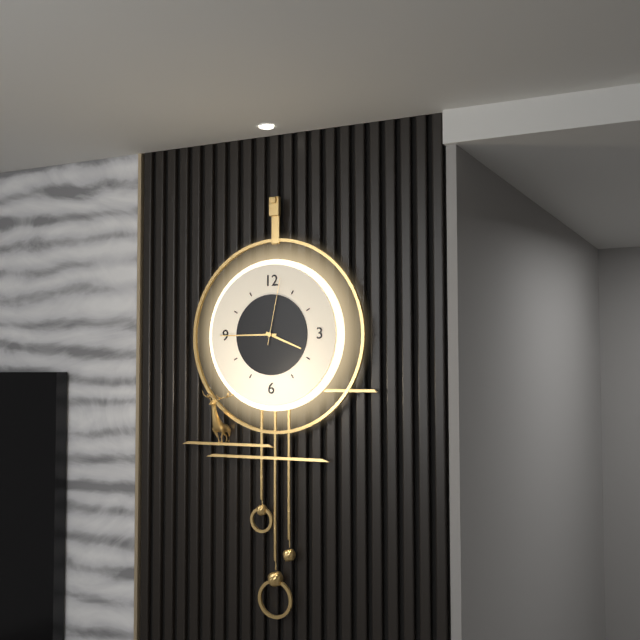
3:45:02
